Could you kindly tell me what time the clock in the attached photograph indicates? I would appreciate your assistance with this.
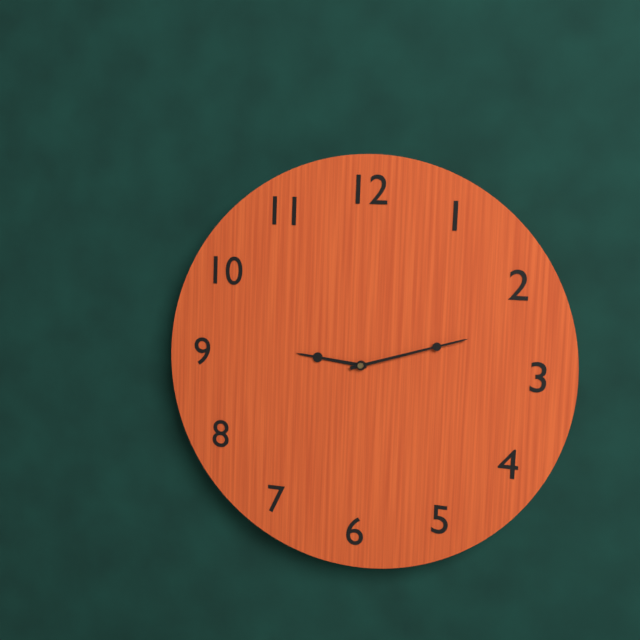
9:12
